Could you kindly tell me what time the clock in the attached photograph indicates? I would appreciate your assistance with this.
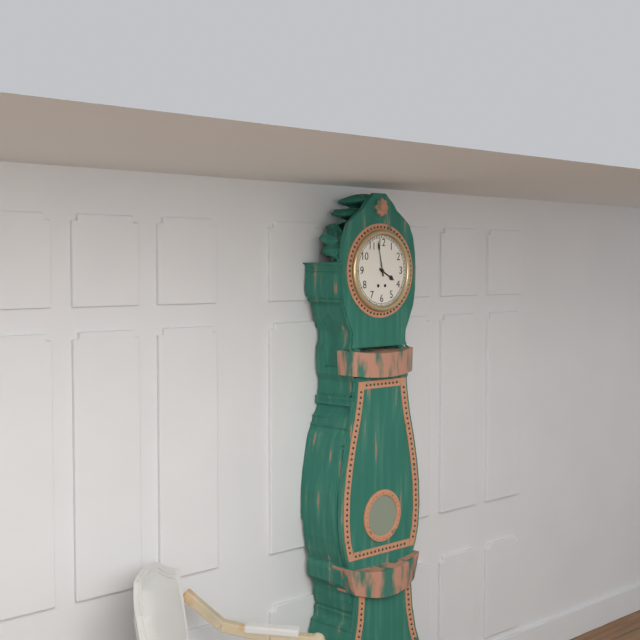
3:58
